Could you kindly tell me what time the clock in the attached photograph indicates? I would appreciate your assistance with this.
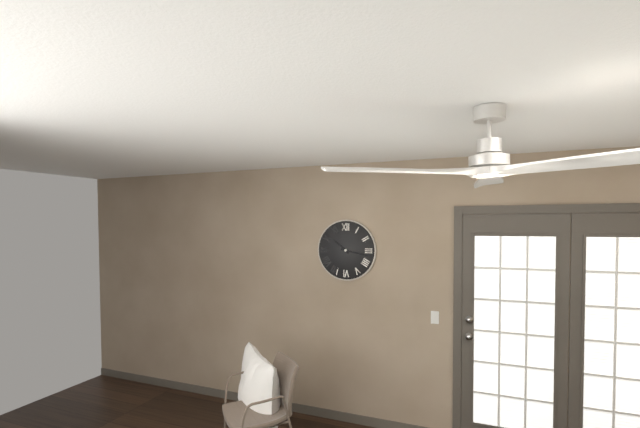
10:17
